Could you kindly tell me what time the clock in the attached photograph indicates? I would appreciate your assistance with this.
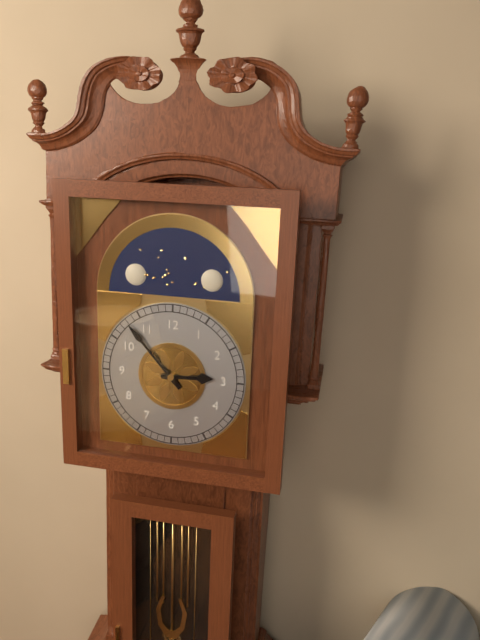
2:53
